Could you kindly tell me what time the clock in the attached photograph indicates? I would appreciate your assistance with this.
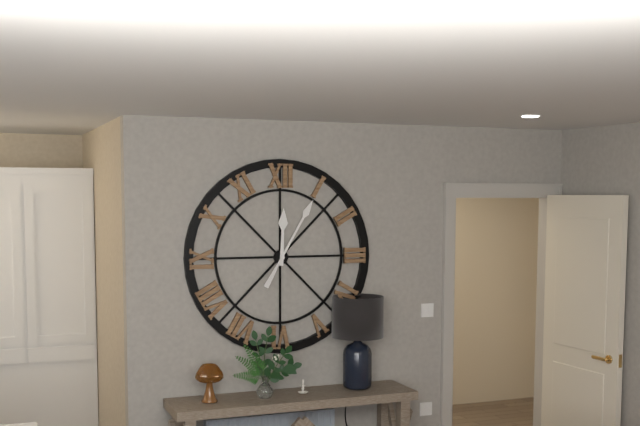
12:05
